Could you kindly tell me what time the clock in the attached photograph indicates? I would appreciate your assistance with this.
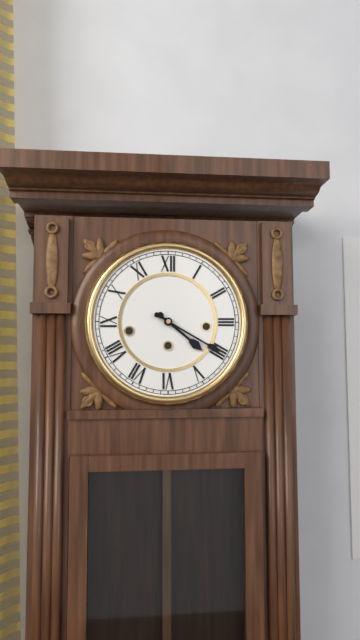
4:20
